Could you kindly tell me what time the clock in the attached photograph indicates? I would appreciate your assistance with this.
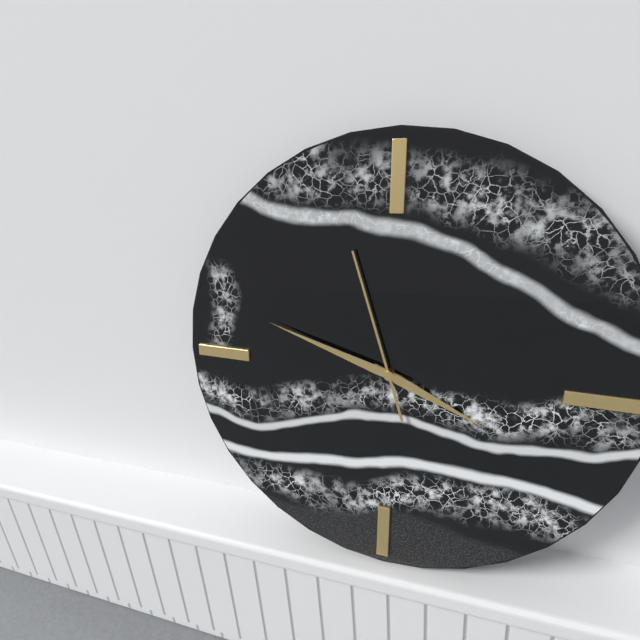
3:48:57
